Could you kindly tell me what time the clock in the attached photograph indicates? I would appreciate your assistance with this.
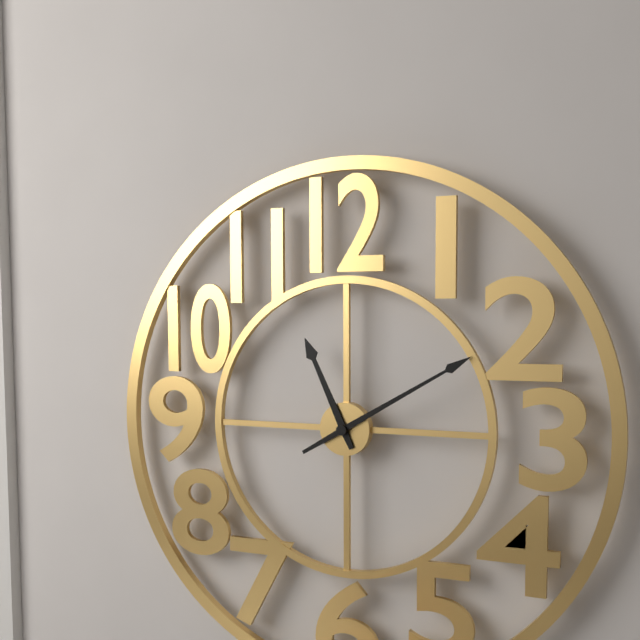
11:10
